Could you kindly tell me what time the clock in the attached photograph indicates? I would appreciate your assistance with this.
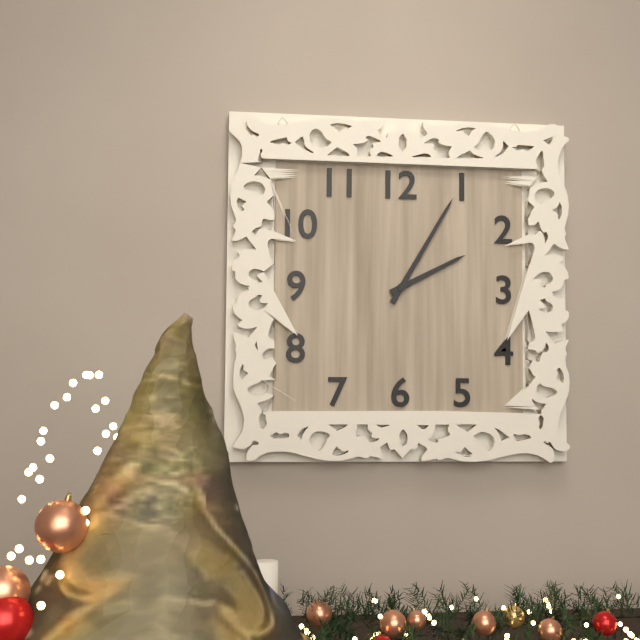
2:05
